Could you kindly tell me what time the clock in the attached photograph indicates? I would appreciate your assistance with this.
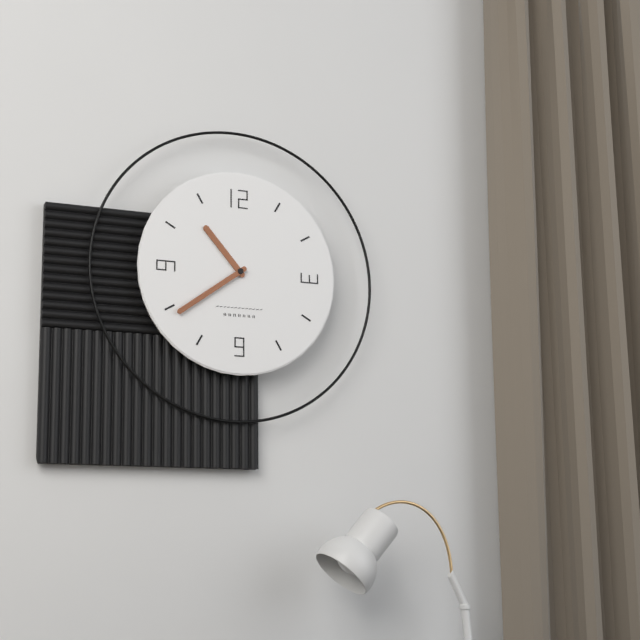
10:39
